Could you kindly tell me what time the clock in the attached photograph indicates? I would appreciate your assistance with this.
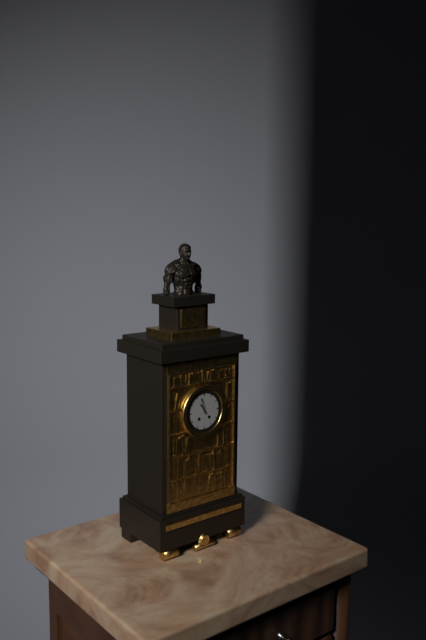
10:57
